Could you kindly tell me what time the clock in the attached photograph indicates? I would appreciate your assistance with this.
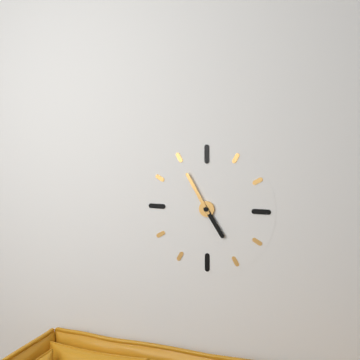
4:55
